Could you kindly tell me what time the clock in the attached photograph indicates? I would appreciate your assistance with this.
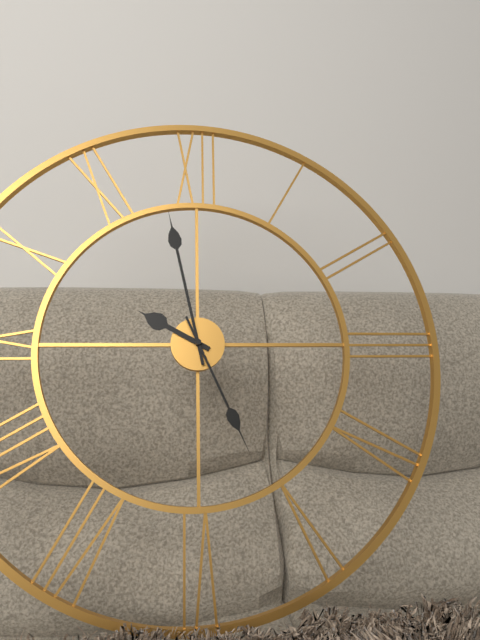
9:58:26
